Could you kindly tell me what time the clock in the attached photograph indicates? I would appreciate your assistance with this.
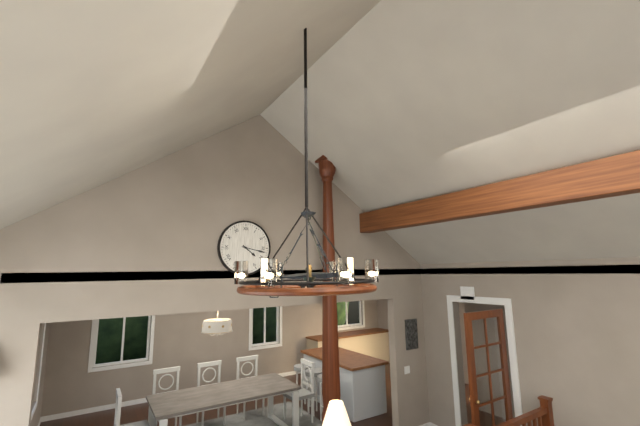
4:17
